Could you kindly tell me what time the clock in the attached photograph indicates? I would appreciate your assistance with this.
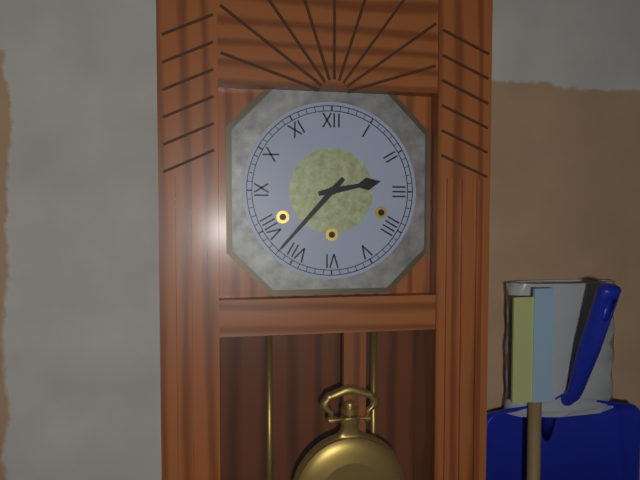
2:37
